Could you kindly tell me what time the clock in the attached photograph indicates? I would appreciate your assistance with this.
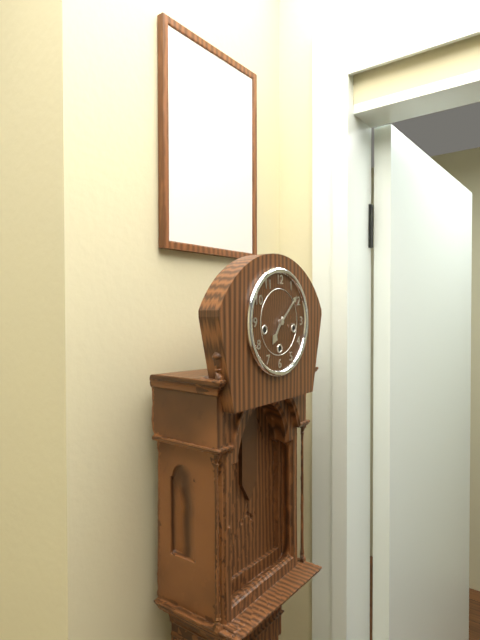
7:08
